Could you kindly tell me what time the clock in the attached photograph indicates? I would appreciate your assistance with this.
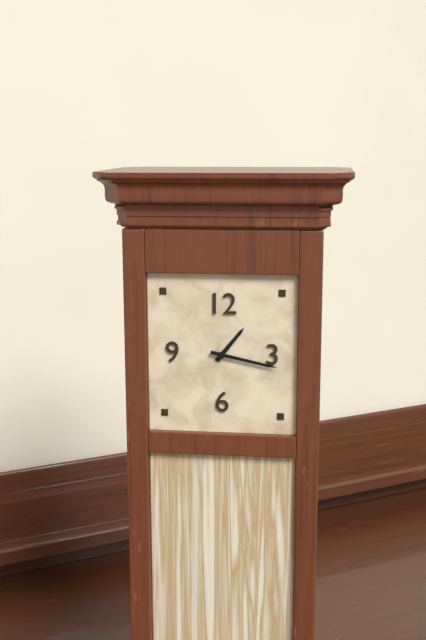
1:17
